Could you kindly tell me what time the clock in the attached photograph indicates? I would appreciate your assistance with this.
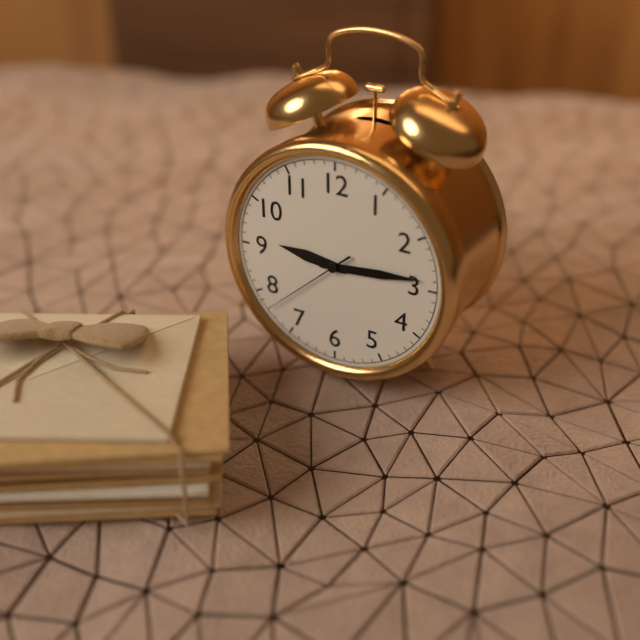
9:14:38
